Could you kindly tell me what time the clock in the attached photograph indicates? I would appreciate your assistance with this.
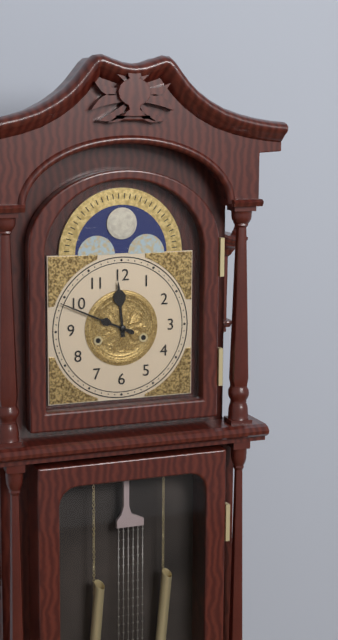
11:49
